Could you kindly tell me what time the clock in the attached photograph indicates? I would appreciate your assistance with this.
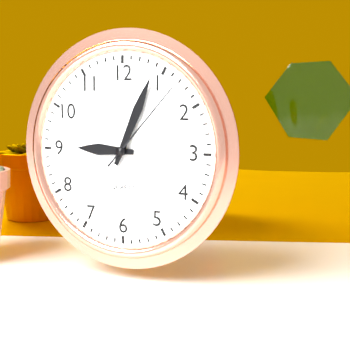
9:04:07
